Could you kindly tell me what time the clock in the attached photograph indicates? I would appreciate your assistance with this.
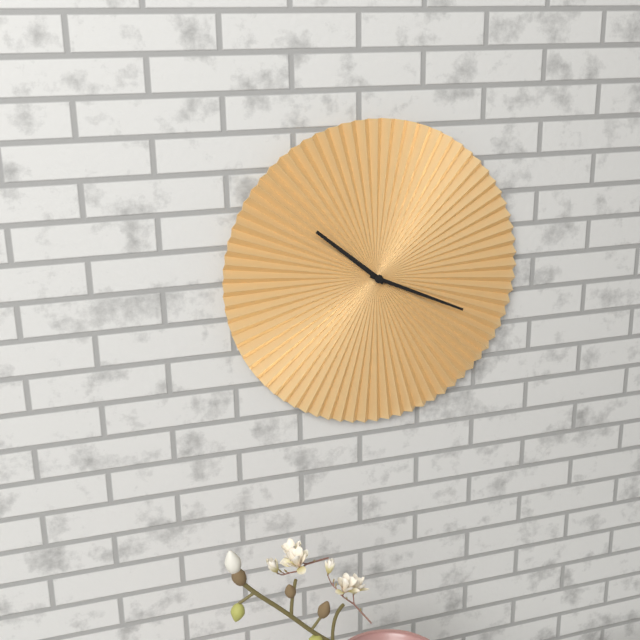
10:19
